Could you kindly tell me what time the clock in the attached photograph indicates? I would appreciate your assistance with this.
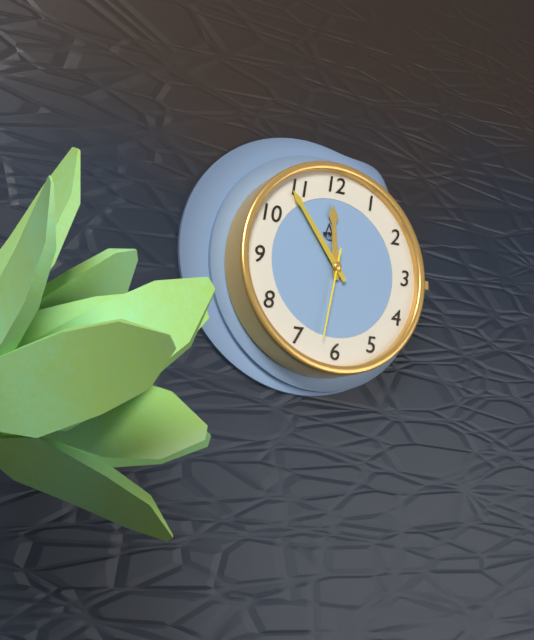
11:54:32
